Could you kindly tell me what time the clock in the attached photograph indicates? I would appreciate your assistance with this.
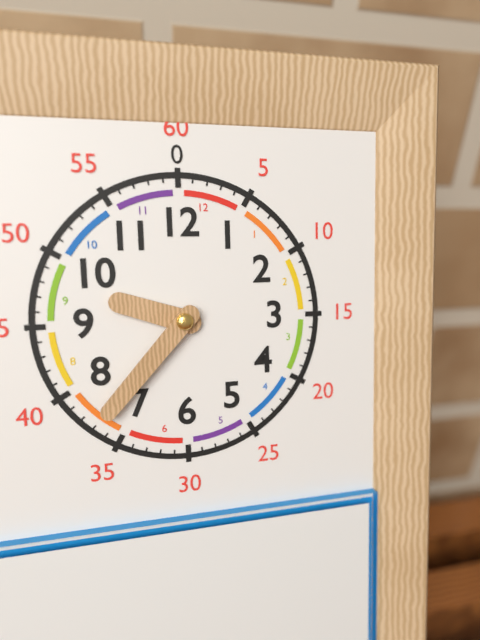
9:37
